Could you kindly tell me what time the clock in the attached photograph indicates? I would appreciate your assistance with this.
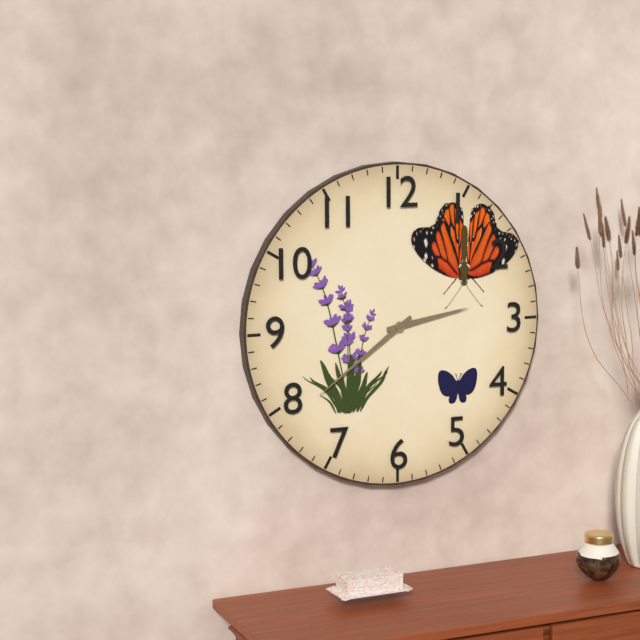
2:39
